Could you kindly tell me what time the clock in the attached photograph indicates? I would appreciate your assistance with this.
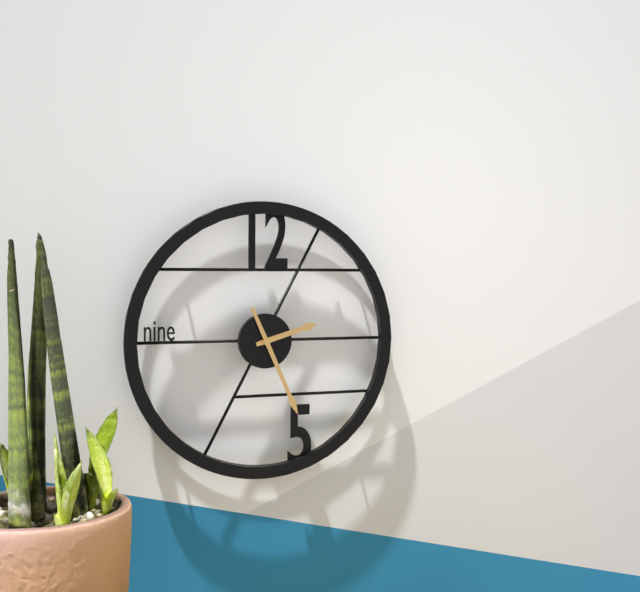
2:26
